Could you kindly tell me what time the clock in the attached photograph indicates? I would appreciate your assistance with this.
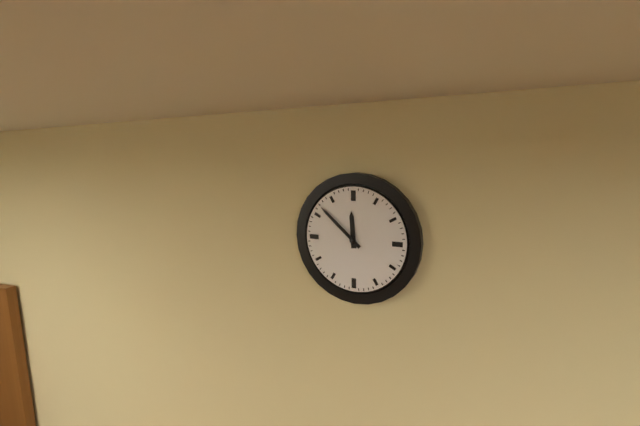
11:52
